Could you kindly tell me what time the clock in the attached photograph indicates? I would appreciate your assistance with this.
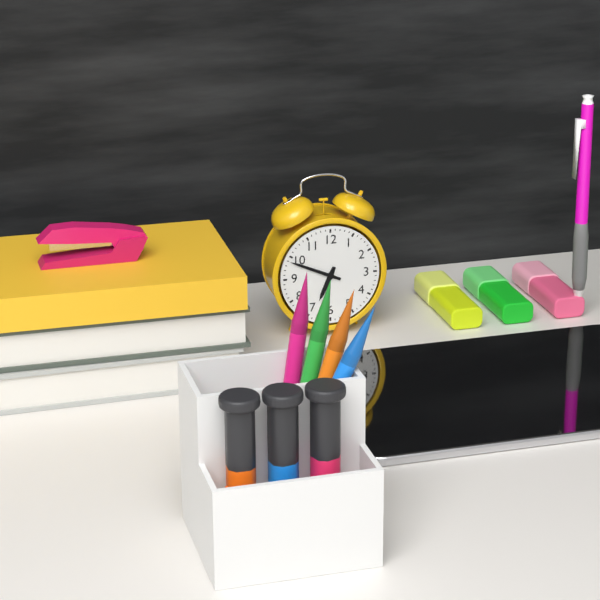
6:49
